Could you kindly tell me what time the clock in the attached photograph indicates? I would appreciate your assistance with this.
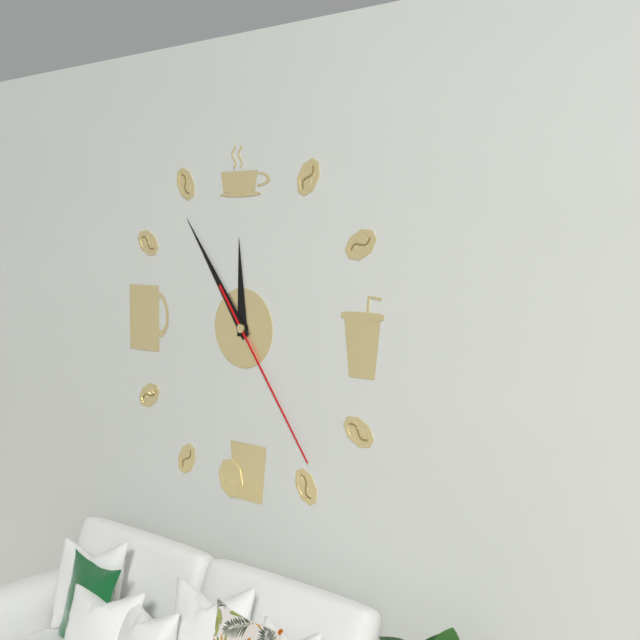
11:54:24
